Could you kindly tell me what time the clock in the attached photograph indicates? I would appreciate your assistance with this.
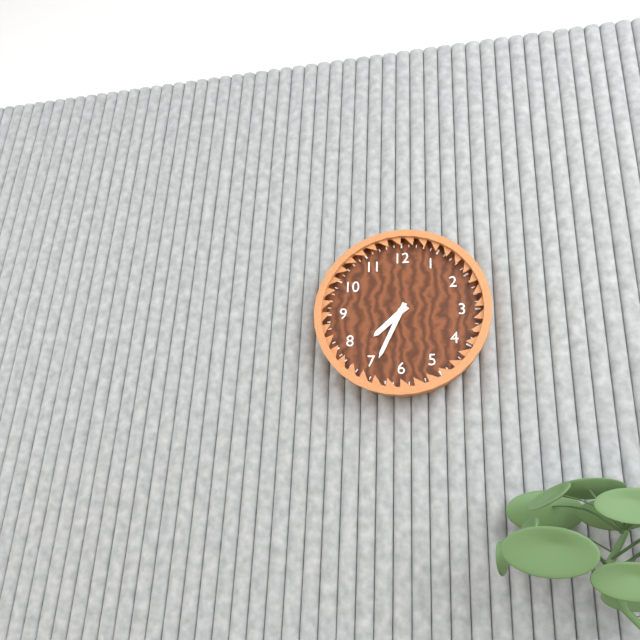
7:34
